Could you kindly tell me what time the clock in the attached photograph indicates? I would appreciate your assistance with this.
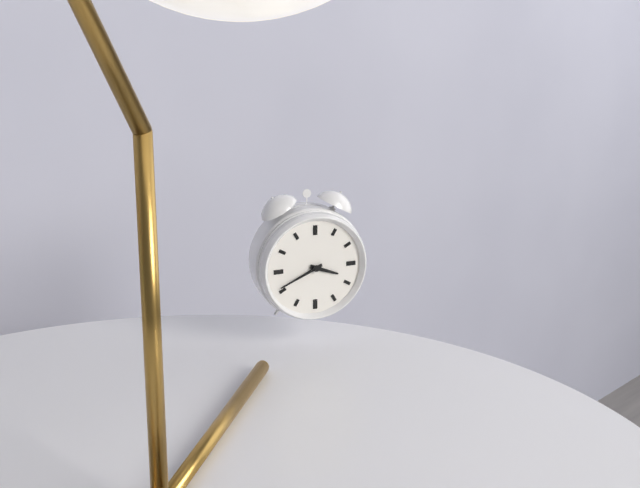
3:41
